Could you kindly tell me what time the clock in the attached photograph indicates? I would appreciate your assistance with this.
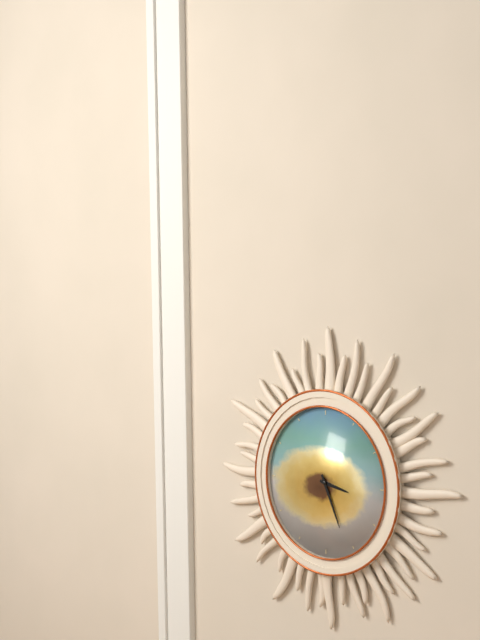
3:26
